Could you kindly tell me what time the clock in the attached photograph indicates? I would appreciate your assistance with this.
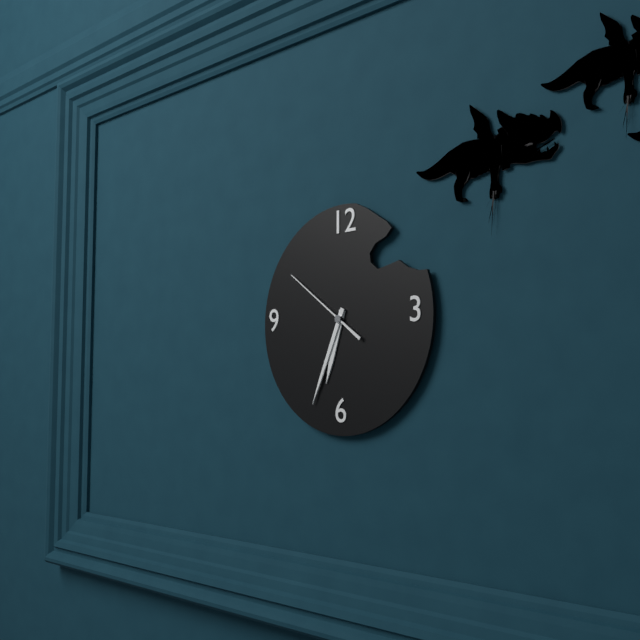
6:34:51
